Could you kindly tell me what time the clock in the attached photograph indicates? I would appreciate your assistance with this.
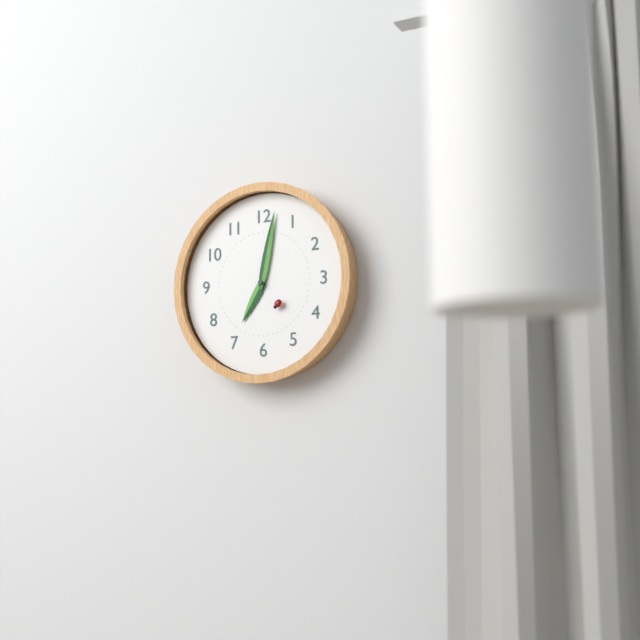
7:02
